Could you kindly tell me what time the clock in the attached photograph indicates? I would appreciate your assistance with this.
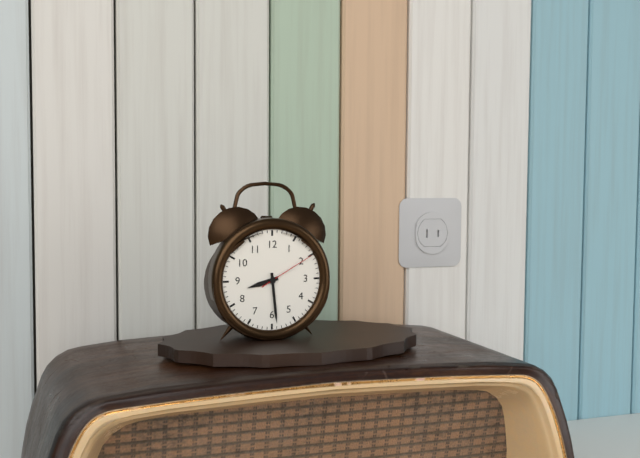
8:29:10
